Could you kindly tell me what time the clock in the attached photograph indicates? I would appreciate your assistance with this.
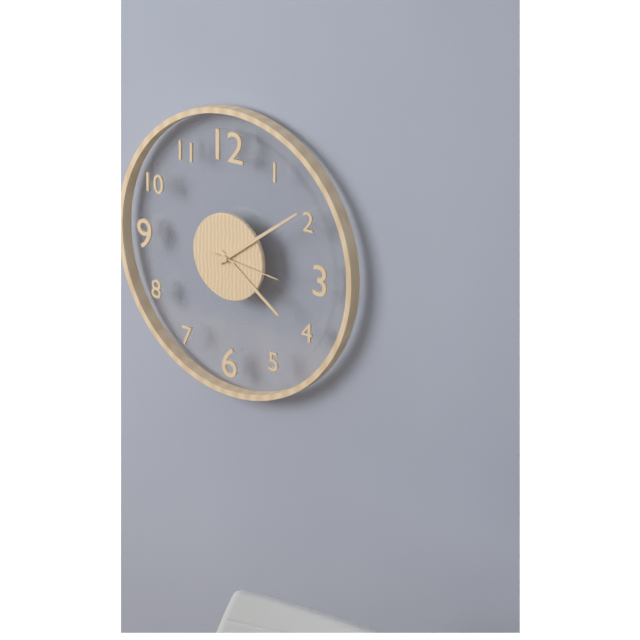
4:09:16
